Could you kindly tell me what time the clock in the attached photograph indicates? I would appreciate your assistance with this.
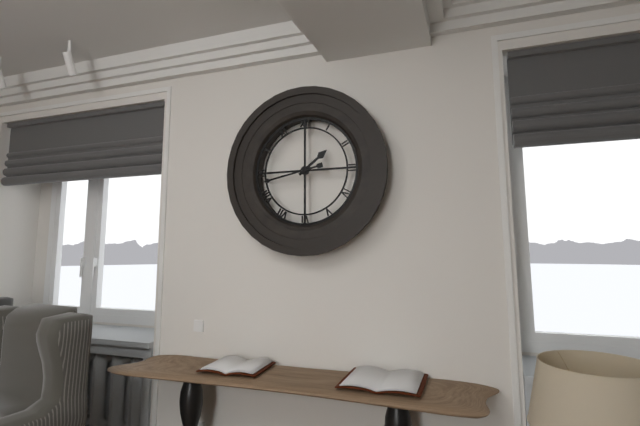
1:43
